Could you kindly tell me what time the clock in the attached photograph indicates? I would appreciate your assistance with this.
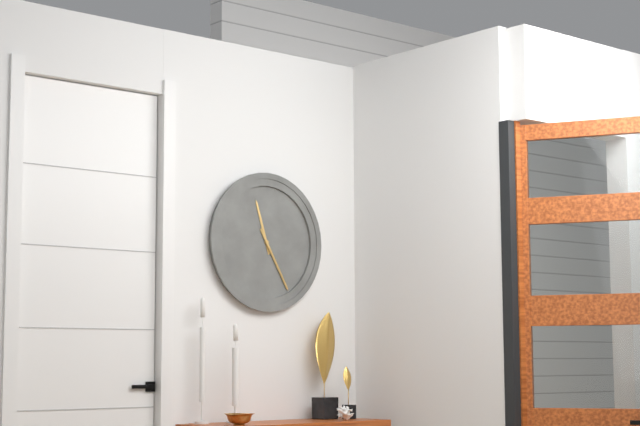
11:25
